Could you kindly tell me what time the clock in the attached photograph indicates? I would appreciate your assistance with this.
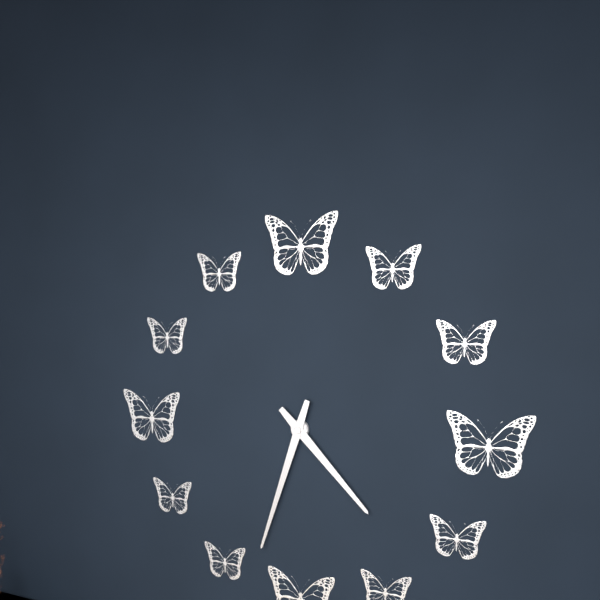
4:33
